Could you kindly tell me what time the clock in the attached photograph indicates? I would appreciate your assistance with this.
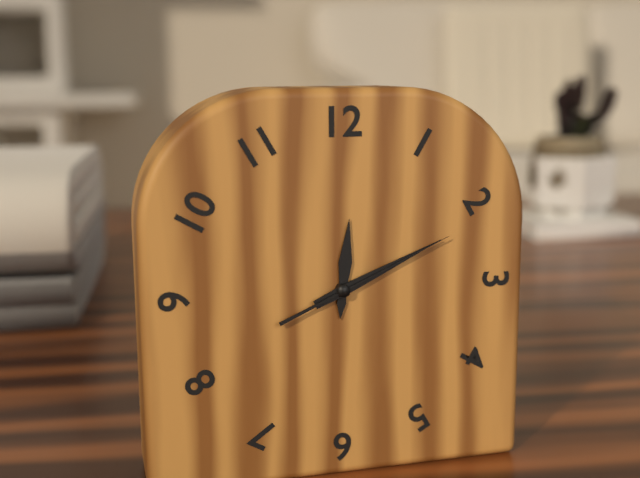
12:11:11
